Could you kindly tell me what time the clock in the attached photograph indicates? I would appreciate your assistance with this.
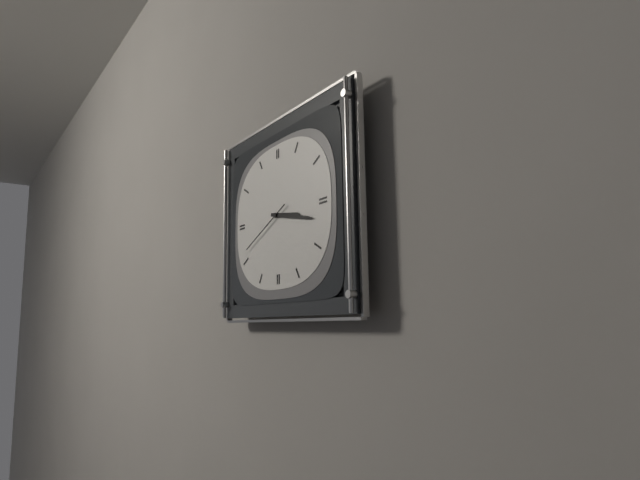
3:17:41
